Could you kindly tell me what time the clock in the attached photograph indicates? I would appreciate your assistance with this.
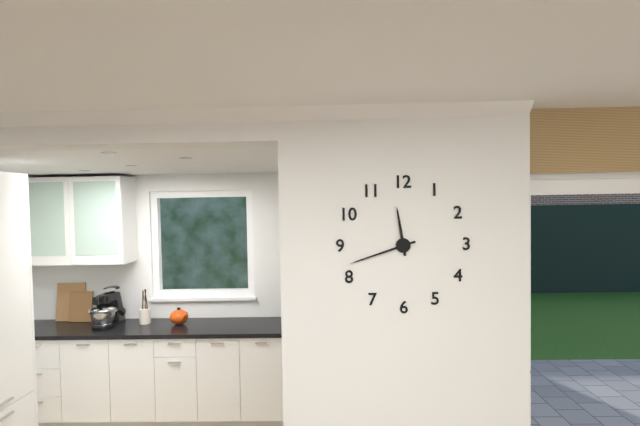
11:42
